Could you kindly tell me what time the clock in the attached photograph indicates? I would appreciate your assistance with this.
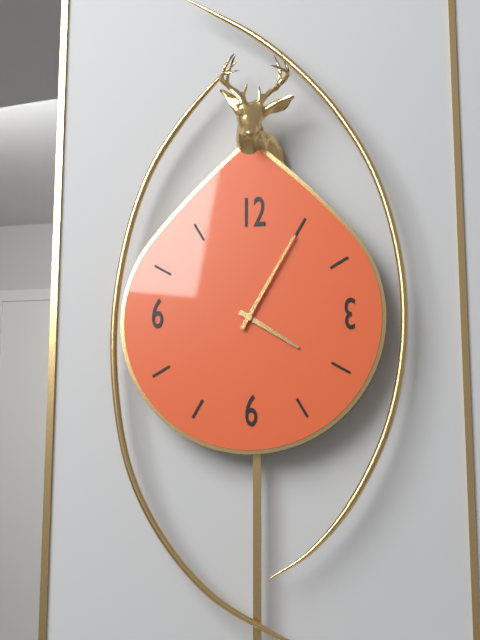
4:05
